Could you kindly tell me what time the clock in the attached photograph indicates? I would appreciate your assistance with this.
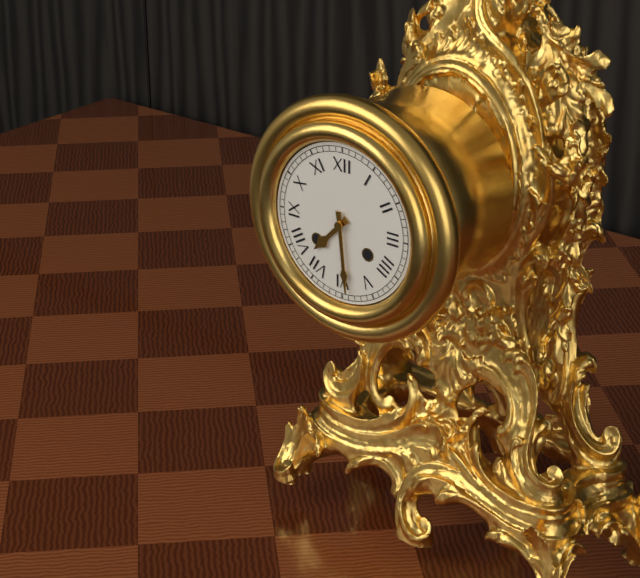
7:29
